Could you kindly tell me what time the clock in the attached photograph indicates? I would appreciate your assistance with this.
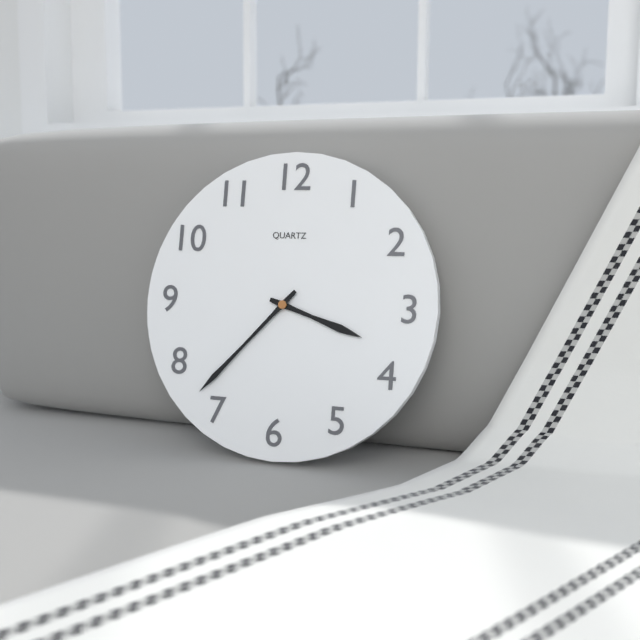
3:37
